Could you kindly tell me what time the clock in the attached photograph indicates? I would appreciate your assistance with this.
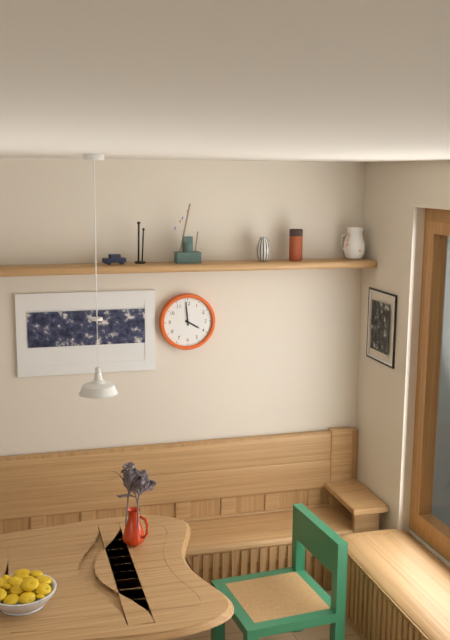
3:59
